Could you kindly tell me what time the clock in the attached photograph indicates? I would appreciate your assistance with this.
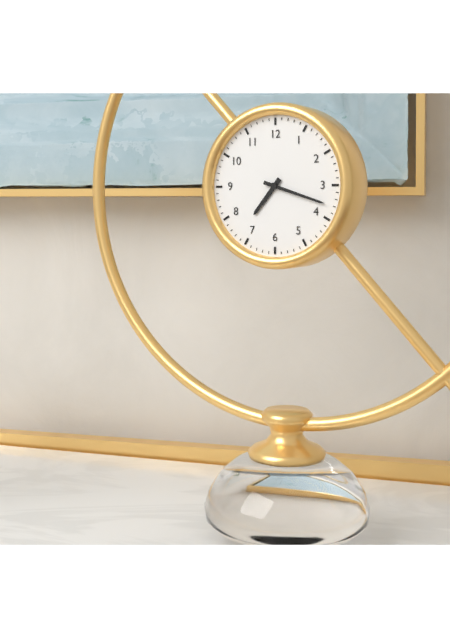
7:18
